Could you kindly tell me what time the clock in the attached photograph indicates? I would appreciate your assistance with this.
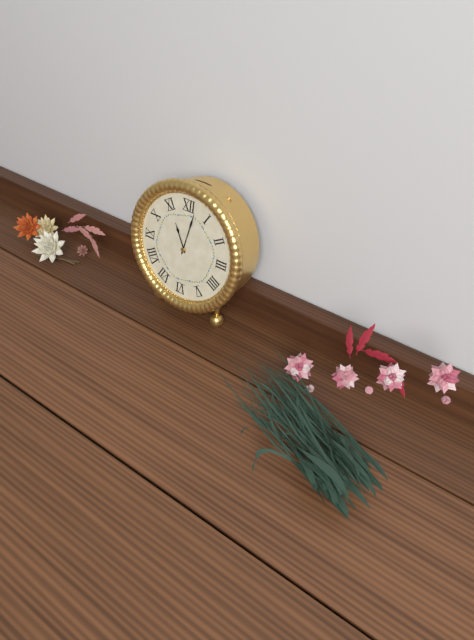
11:02
